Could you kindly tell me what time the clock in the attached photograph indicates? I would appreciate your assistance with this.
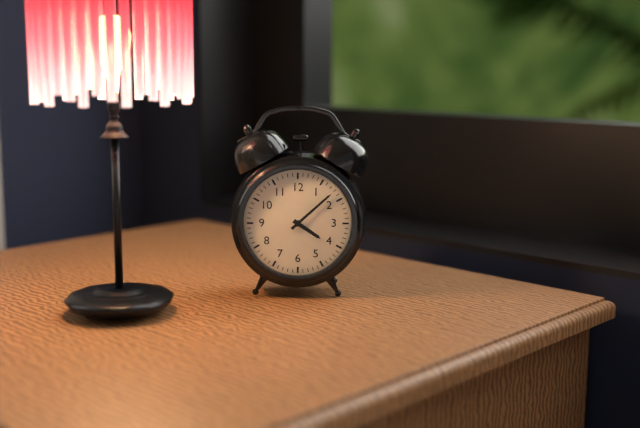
4:08
